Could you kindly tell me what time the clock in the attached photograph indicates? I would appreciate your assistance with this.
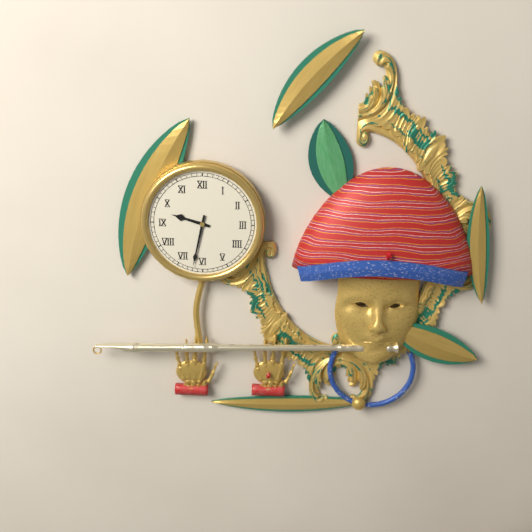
9:32
